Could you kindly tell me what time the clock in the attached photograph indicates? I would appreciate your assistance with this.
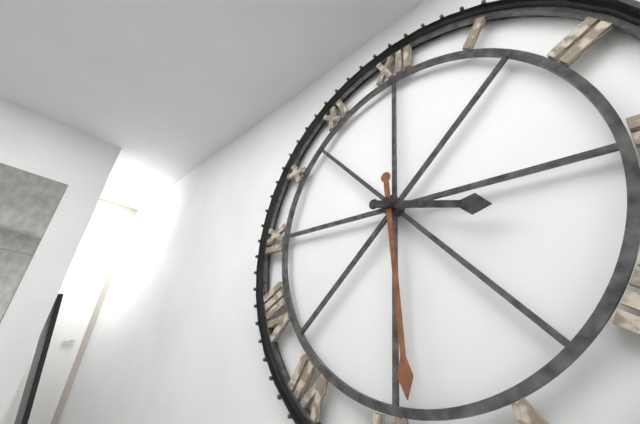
3:29
